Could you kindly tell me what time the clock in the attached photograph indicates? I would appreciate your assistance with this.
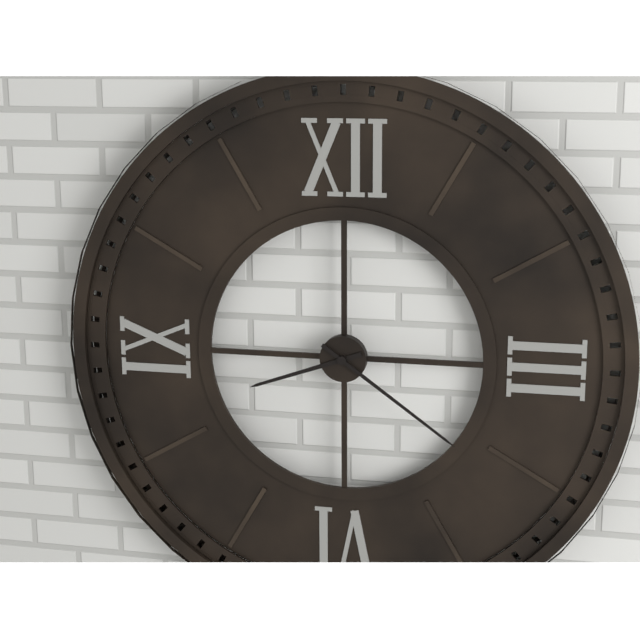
8:21
